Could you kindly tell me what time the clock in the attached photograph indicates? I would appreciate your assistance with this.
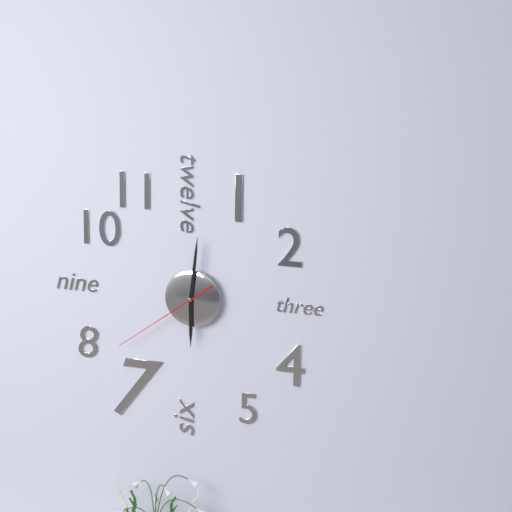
6:01:39
